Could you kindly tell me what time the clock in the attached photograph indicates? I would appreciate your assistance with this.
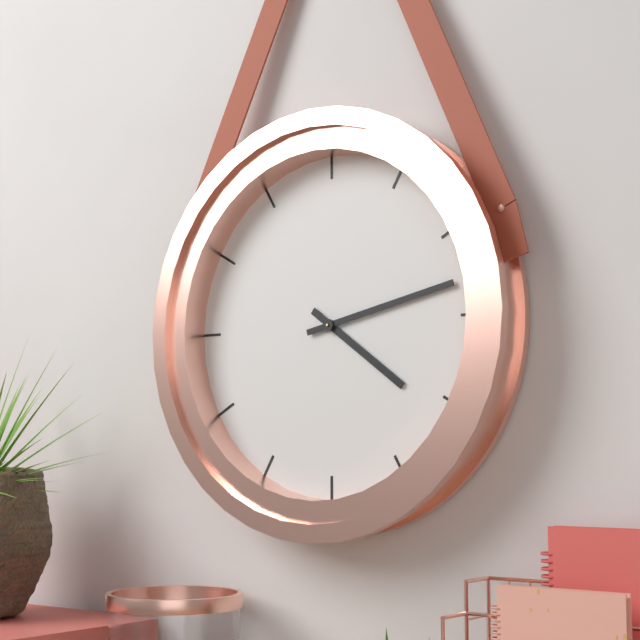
4:13
